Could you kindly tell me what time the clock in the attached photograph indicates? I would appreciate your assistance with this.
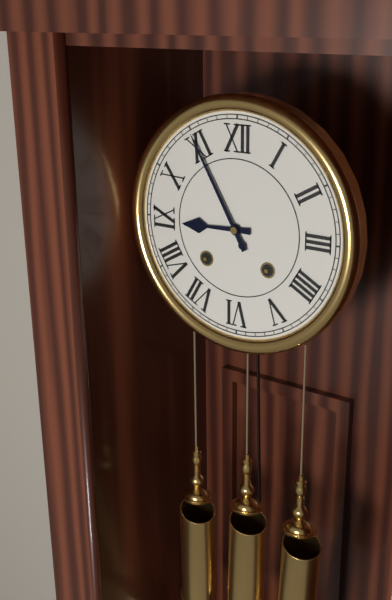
8:55
